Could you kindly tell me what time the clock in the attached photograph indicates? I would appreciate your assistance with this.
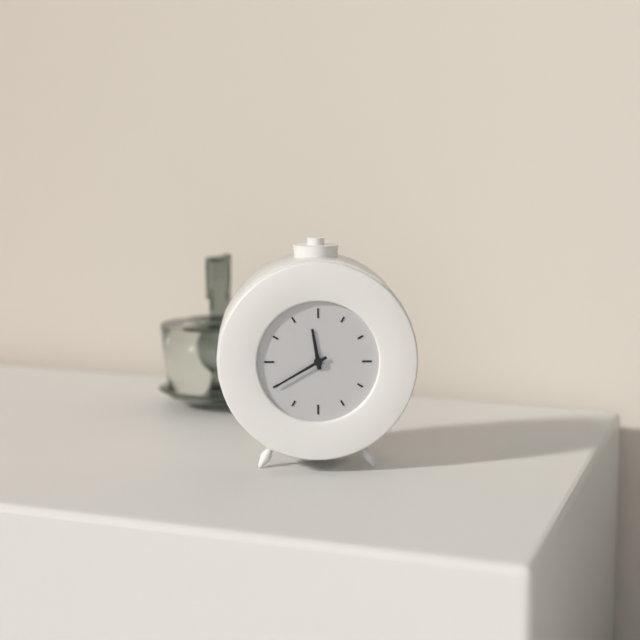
11:40
